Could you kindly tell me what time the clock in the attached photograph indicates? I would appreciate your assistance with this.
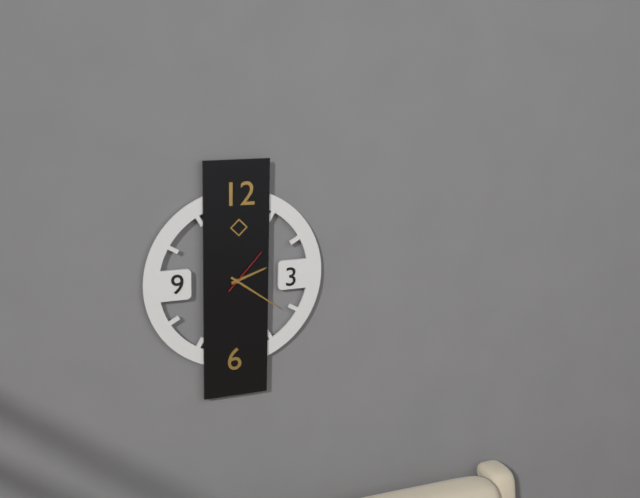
2:21
